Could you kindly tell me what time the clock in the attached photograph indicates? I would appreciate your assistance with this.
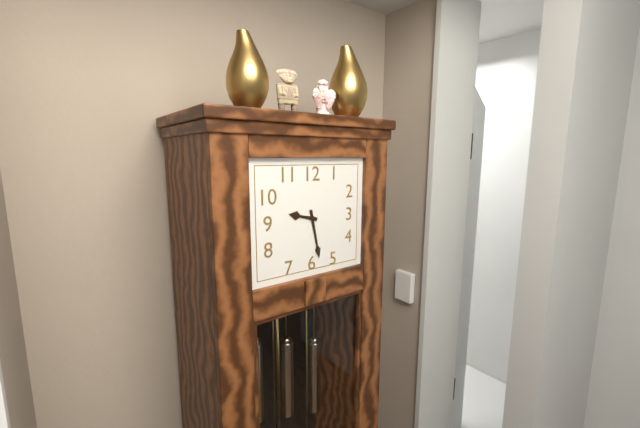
9:28
